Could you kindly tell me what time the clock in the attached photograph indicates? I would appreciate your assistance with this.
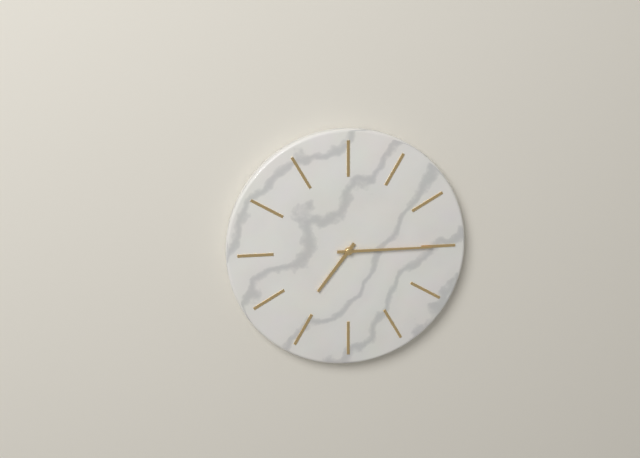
7:15
